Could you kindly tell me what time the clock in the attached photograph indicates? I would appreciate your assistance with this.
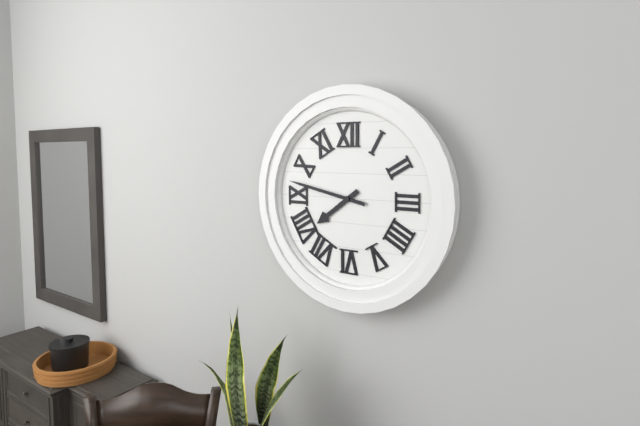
7:47
